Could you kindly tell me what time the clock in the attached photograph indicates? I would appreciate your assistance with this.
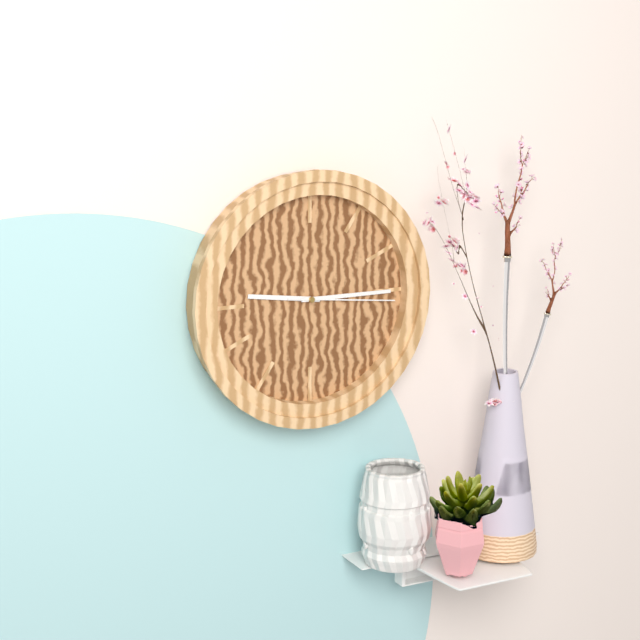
9:15:16
